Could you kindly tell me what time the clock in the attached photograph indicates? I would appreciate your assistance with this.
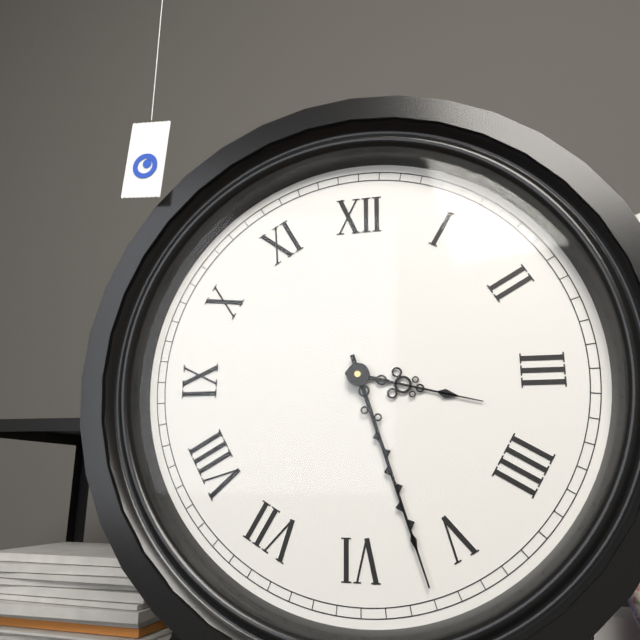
3:27
